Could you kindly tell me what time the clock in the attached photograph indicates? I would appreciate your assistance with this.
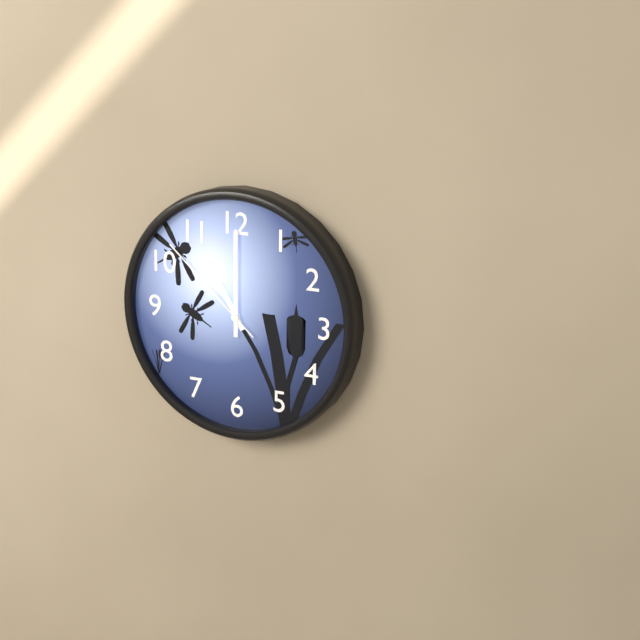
11:00:52
